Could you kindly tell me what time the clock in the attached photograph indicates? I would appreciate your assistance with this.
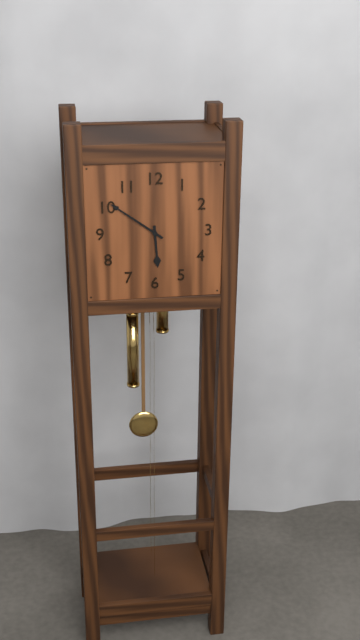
5:51
